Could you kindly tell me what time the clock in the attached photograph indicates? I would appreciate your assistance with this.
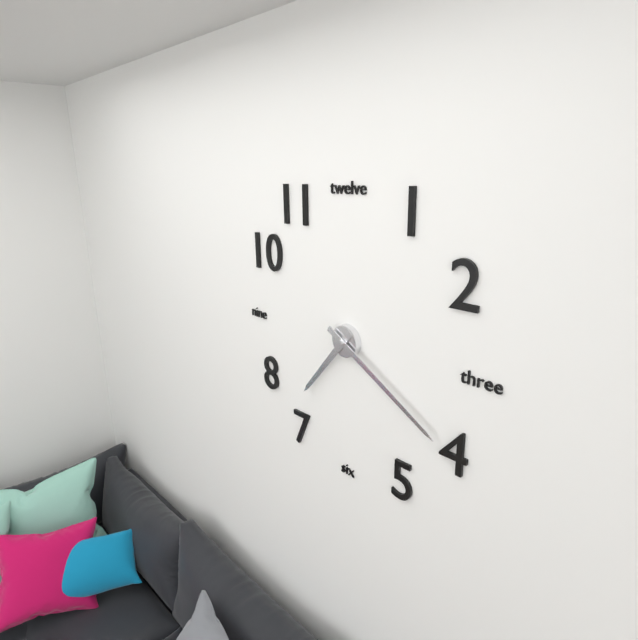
7:20
